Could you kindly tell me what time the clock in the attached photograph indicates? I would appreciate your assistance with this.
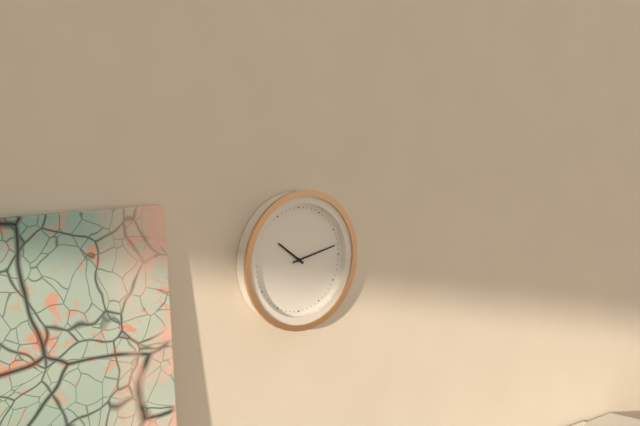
10:13
